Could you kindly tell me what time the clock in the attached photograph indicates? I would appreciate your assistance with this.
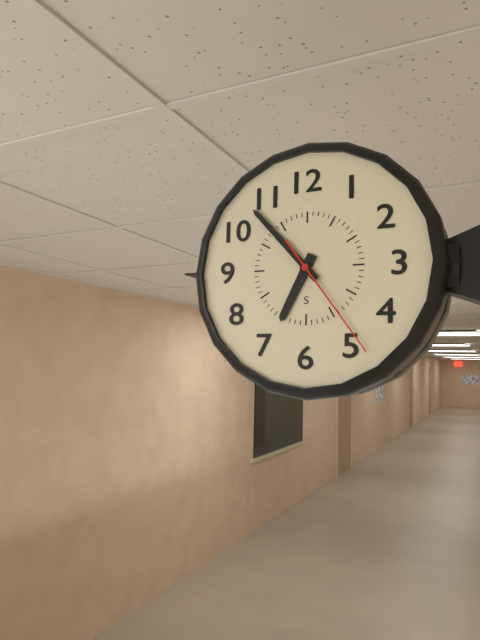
6:53:24
